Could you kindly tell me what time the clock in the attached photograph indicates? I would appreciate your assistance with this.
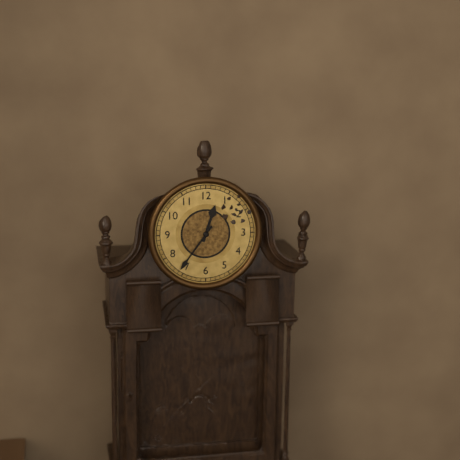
12:36
